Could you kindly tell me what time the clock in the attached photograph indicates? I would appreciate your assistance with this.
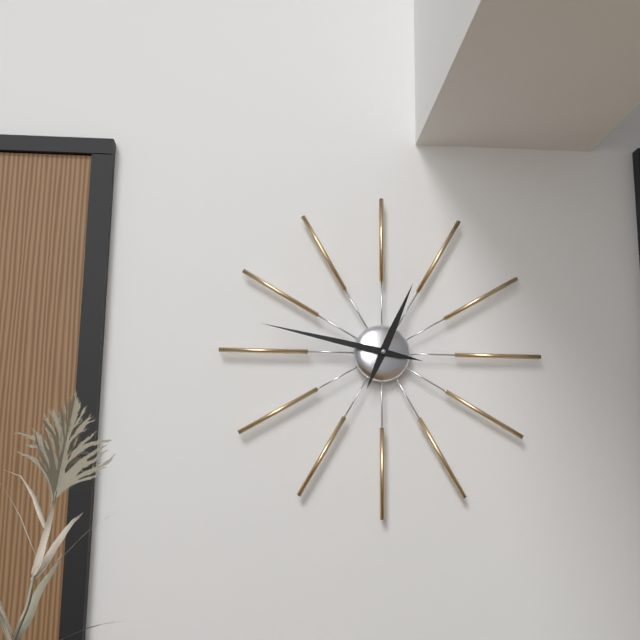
12:47
